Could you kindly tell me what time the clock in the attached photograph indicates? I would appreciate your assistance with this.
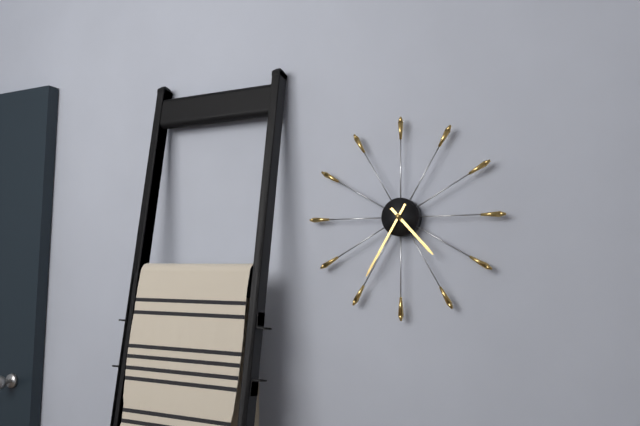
4:35
